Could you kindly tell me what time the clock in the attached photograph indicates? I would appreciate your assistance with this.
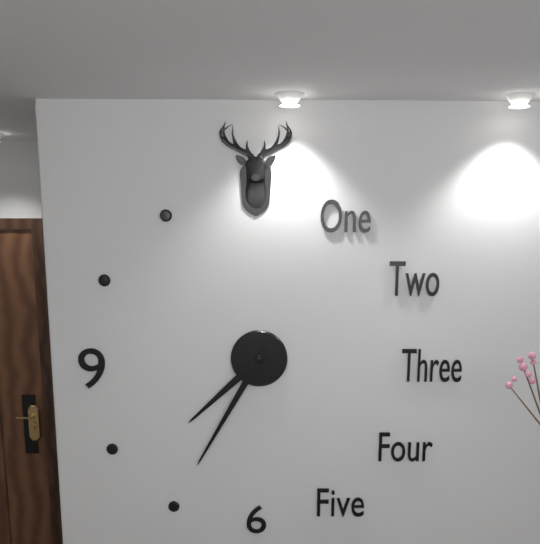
7:35
